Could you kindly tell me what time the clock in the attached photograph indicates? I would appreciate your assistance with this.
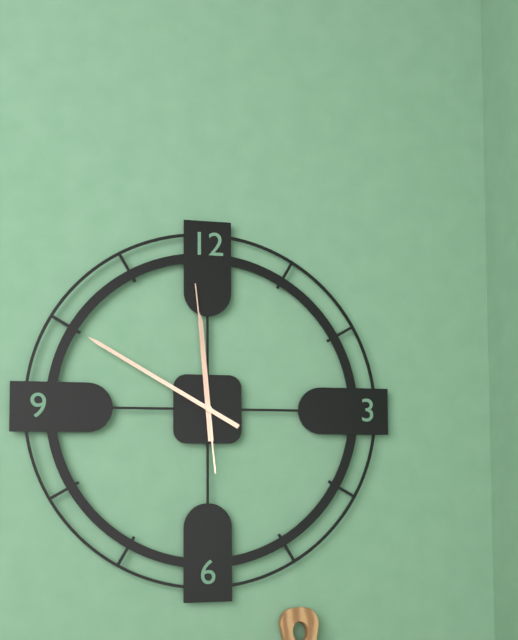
11:50:59
